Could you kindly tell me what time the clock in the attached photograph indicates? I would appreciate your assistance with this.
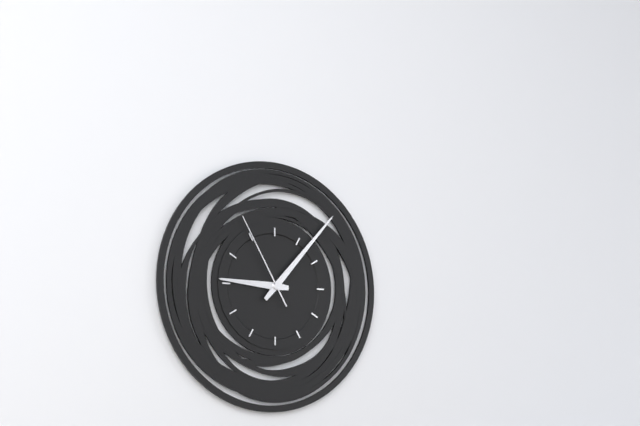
9:07:55
